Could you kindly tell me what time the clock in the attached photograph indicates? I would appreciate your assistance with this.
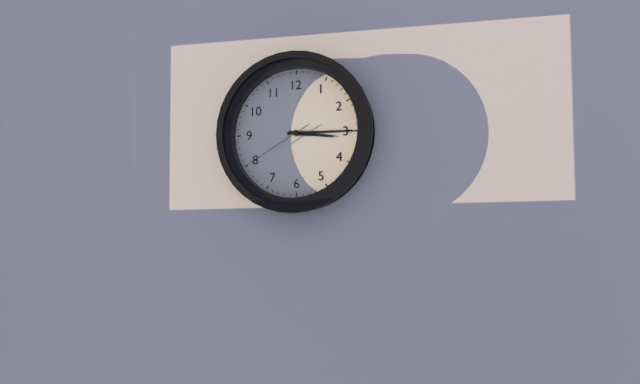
3:15:40
